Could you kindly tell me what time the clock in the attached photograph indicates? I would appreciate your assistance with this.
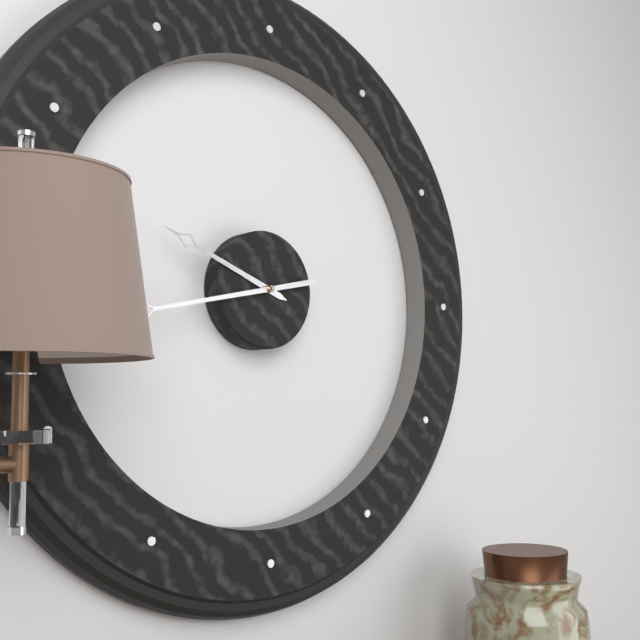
9:43
